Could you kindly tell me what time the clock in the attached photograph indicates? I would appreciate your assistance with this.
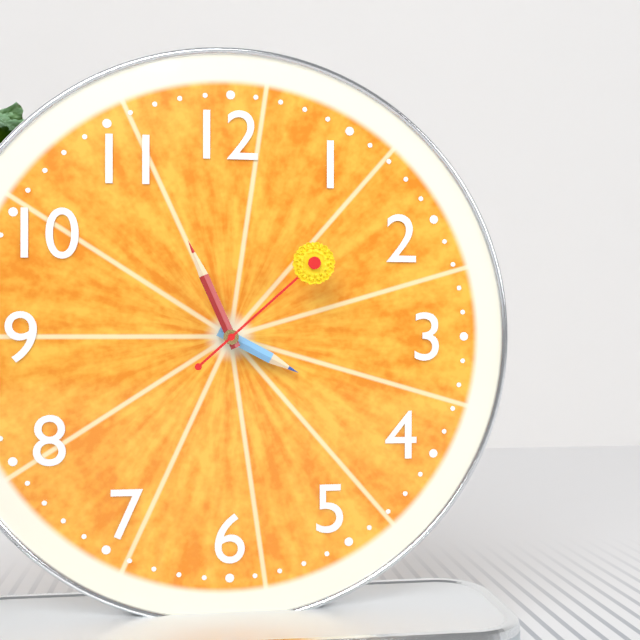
3:56:08
